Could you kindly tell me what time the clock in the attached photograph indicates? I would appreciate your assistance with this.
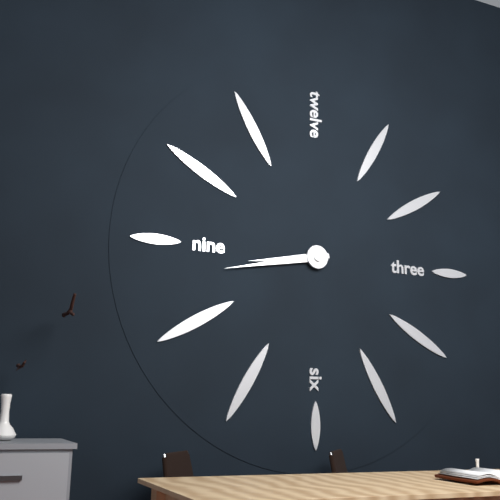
8:43
